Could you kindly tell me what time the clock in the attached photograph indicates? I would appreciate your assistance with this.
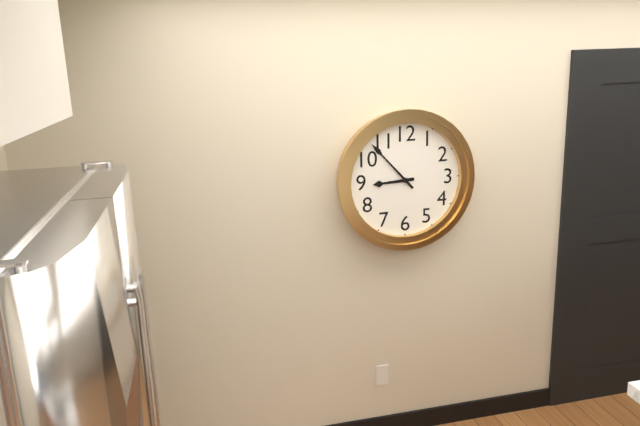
8:53
